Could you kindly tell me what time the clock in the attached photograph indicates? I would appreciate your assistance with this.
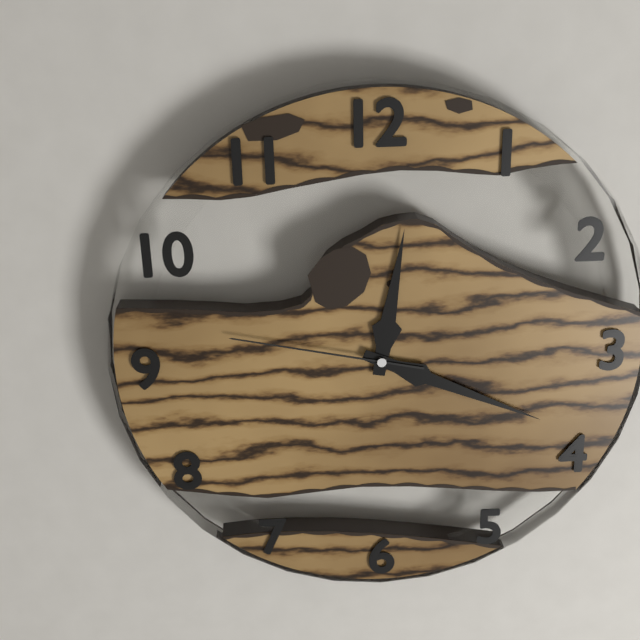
12:19:47
